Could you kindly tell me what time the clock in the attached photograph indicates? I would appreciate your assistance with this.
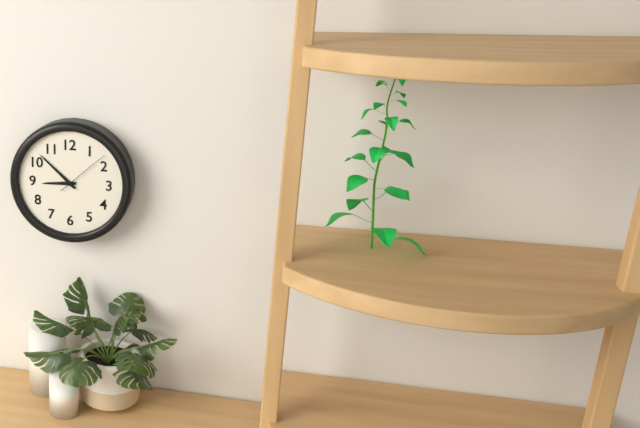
8:52
